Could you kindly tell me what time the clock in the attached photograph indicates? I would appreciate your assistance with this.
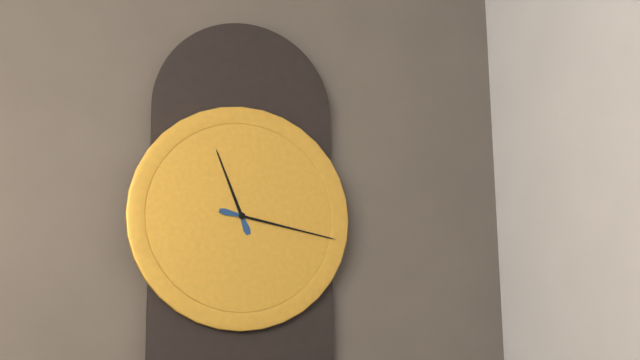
11:17
